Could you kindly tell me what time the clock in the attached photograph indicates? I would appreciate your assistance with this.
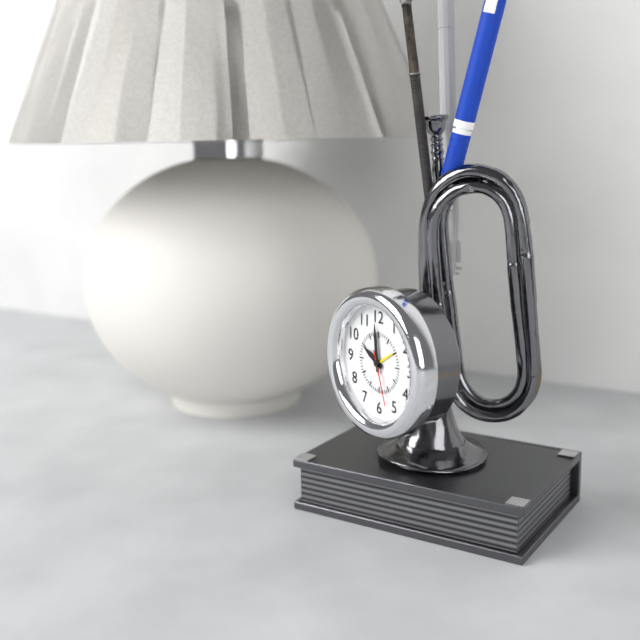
9:59:27
